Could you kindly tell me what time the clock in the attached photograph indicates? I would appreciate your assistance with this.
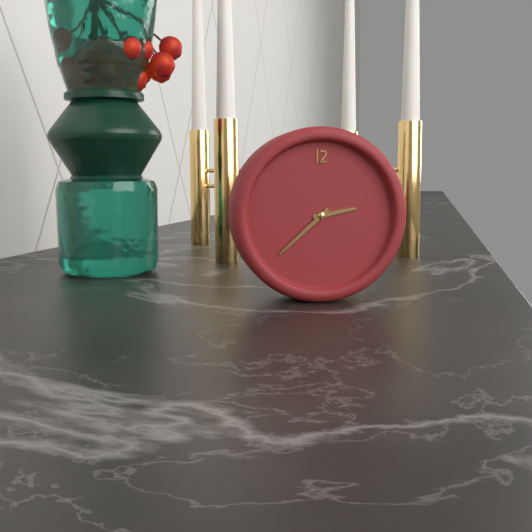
2:38
